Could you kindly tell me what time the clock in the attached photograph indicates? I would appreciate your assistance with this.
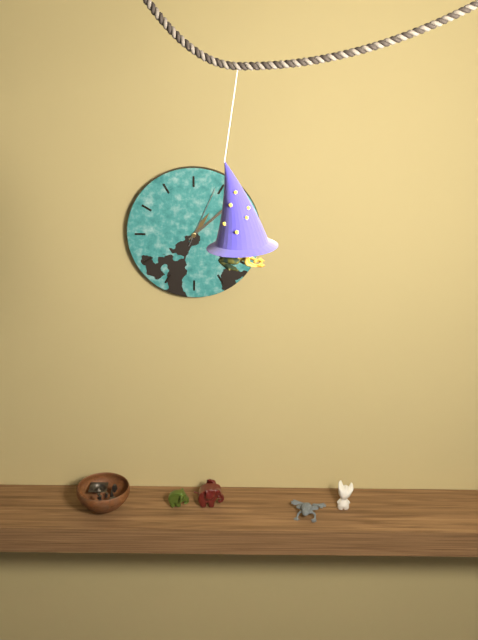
1:08:04
